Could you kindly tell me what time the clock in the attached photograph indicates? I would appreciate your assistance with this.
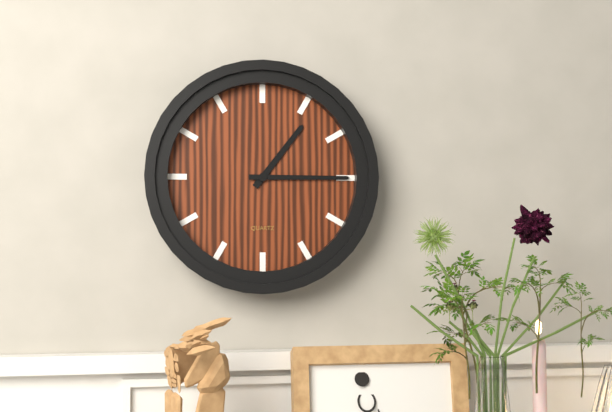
1:15
